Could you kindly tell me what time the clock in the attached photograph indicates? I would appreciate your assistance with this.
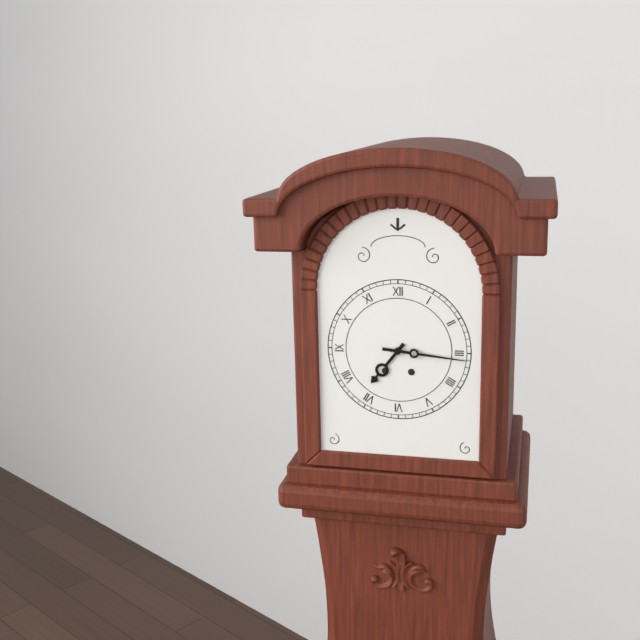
7:16
